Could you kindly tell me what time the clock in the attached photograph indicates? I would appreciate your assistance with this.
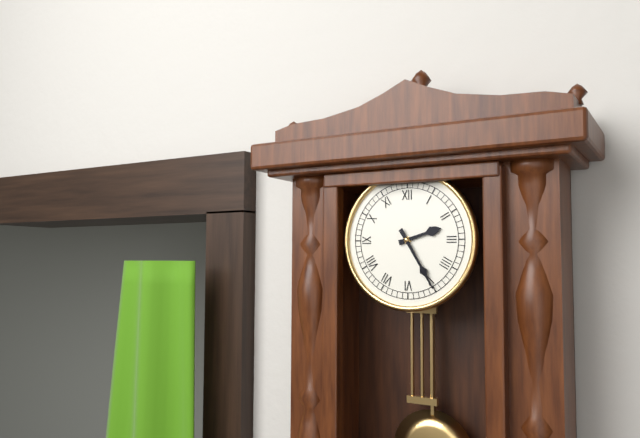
2:25
